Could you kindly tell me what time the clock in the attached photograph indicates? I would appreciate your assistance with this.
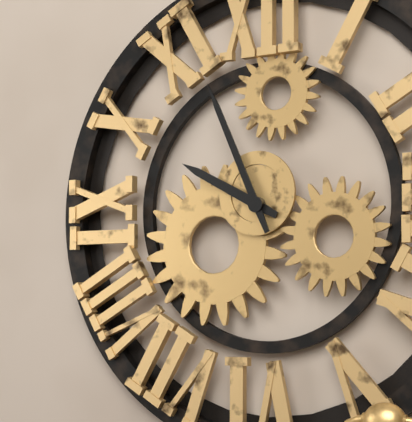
9:56
